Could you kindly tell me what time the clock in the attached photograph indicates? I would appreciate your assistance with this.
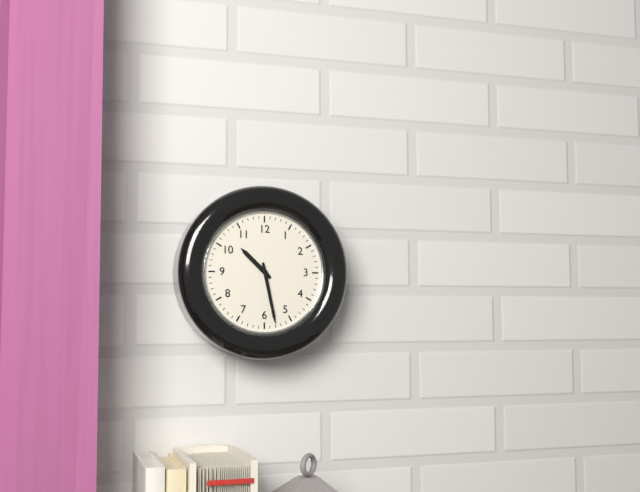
10:28
